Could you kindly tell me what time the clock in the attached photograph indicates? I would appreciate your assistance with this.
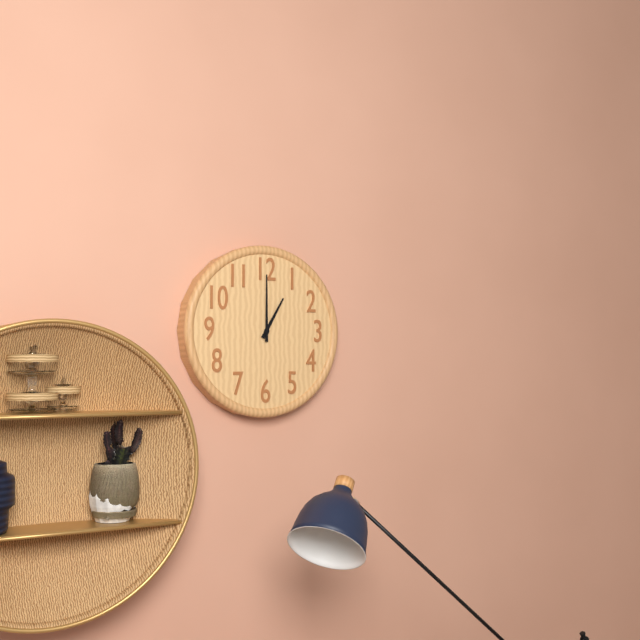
1:00
